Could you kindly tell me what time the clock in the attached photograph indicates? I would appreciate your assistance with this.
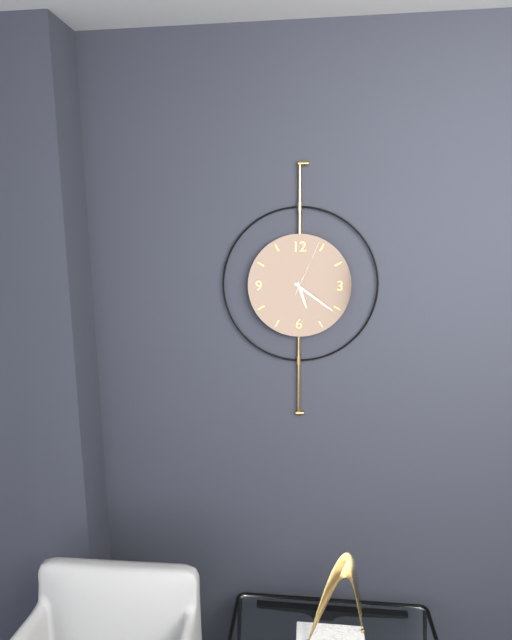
5:21:04
